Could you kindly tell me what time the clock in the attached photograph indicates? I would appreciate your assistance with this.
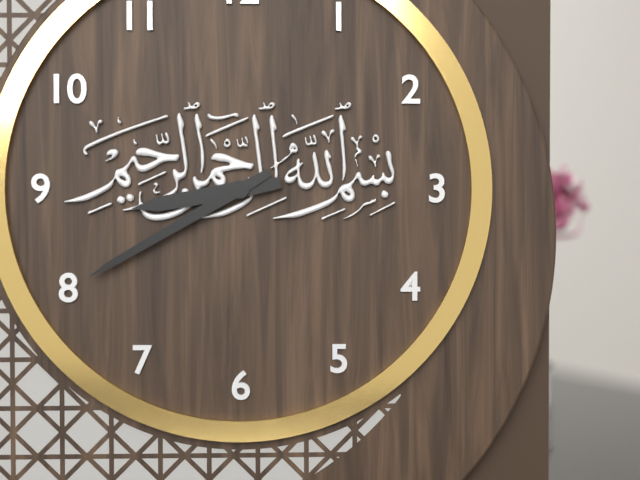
8:40
